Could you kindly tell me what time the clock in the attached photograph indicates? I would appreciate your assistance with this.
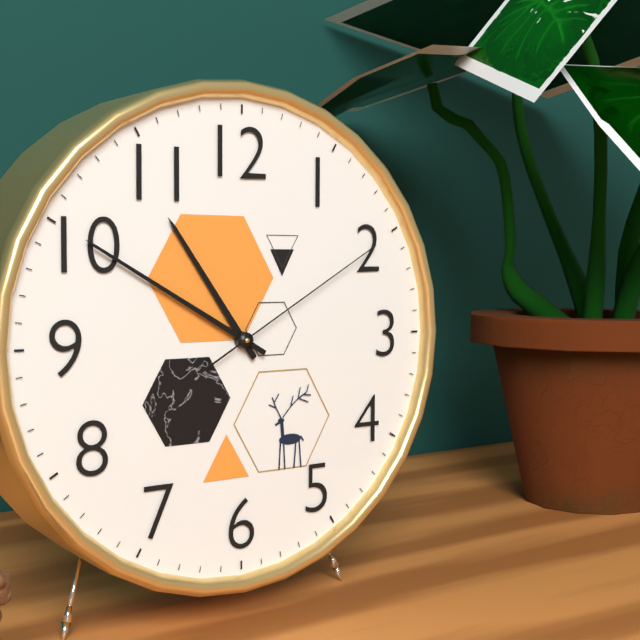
10:50:10
